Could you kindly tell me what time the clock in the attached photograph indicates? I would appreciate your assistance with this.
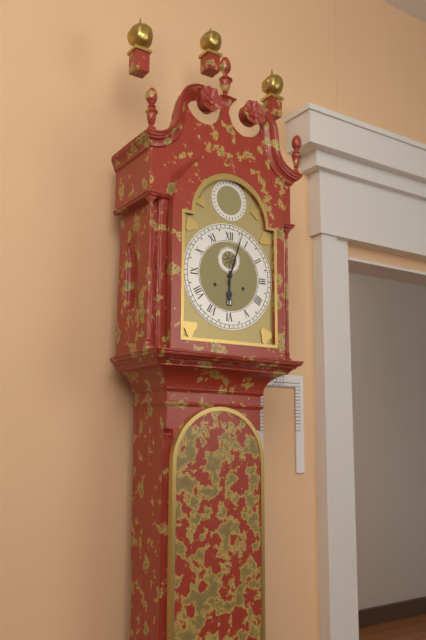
6:03
